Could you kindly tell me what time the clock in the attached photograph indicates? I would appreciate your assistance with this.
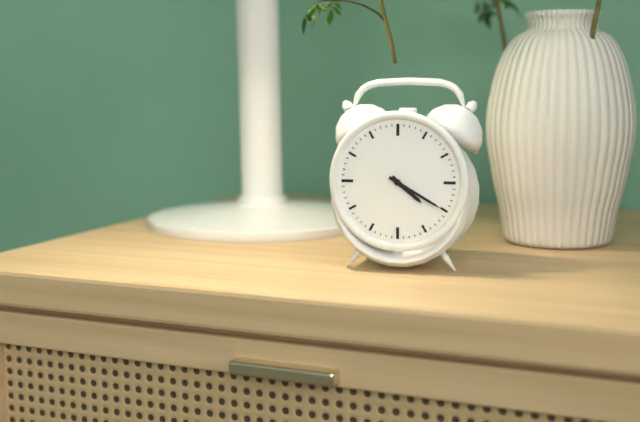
4:20
